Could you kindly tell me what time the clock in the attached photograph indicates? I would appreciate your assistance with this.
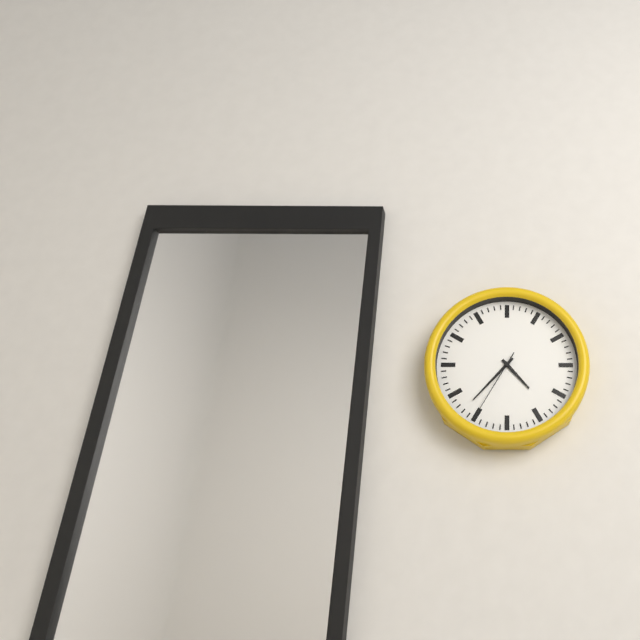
4:37:35
